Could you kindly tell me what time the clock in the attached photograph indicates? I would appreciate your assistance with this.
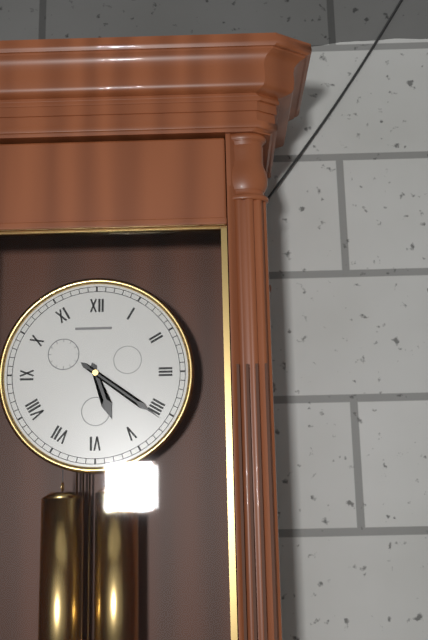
5:21
